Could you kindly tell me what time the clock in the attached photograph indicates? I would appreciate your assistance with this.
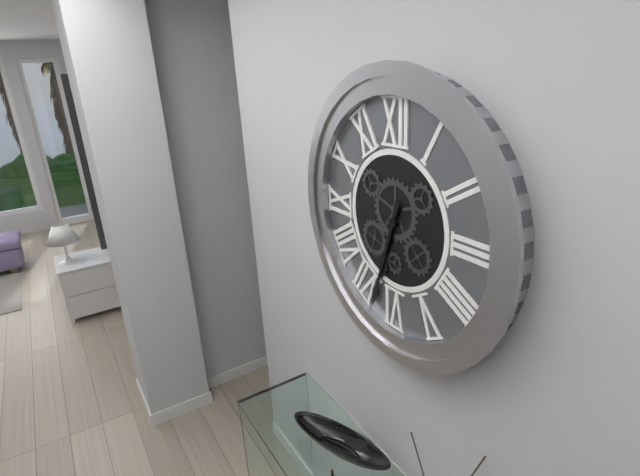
6:33
